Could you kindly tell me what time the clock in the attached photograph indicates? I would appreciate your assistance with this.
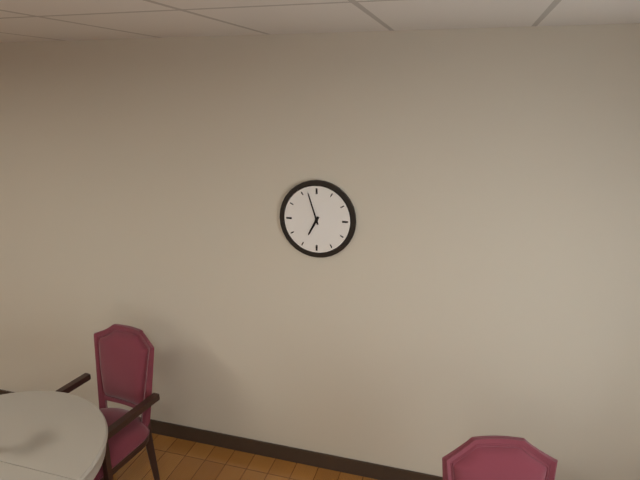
6:57
